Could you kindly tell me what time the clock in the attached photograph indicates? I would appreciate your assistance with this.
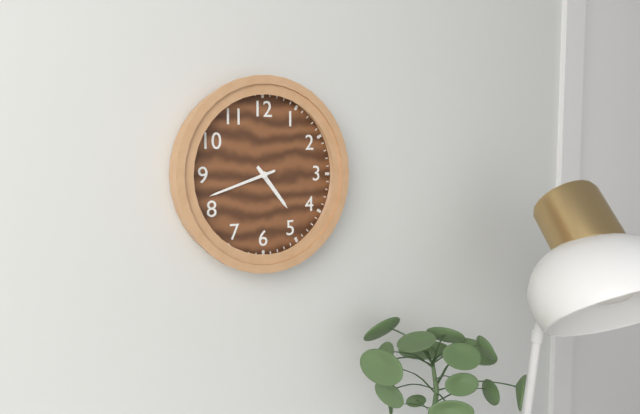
4:42
